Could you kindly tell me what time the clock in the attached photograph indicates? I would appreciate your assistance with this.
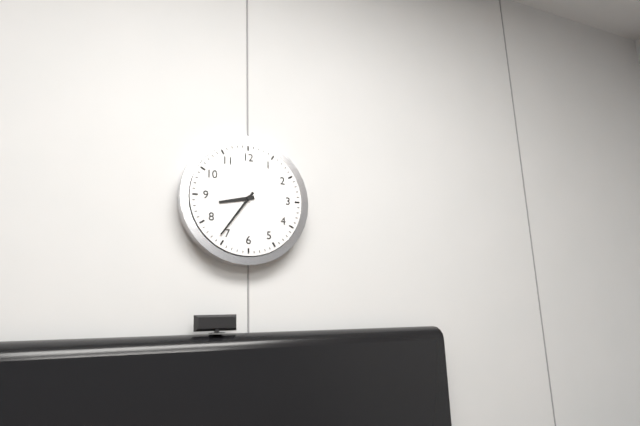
8:36
